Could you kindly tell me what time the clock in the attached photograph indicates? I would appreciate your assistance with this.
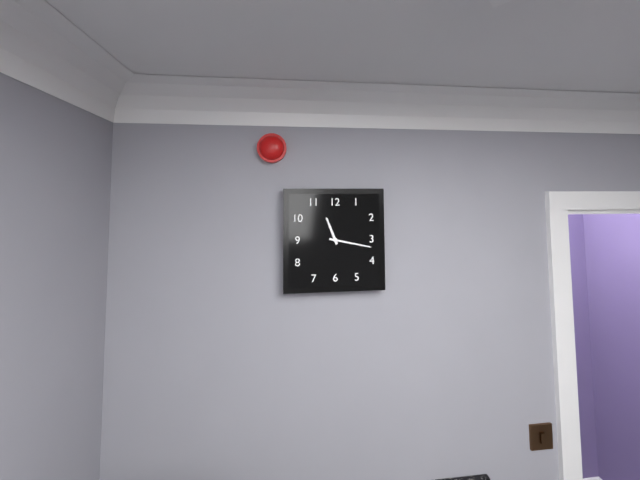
11:17
